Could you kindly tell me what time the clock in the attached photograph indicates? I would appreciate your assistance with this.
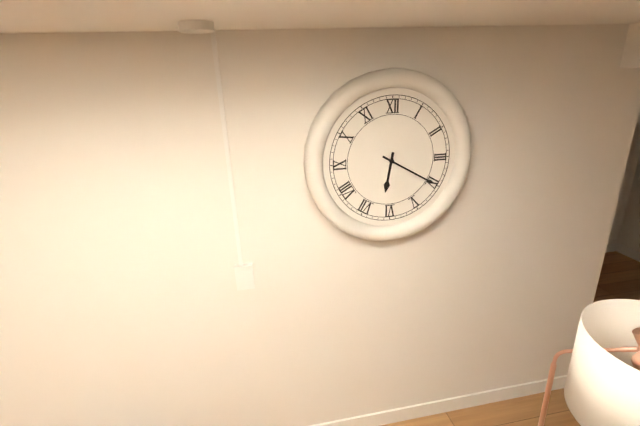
6:20
